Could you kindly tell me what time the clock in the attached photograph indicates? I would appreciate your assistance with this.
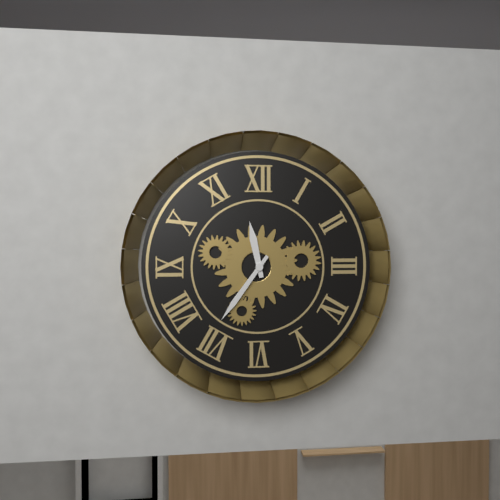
11:36
